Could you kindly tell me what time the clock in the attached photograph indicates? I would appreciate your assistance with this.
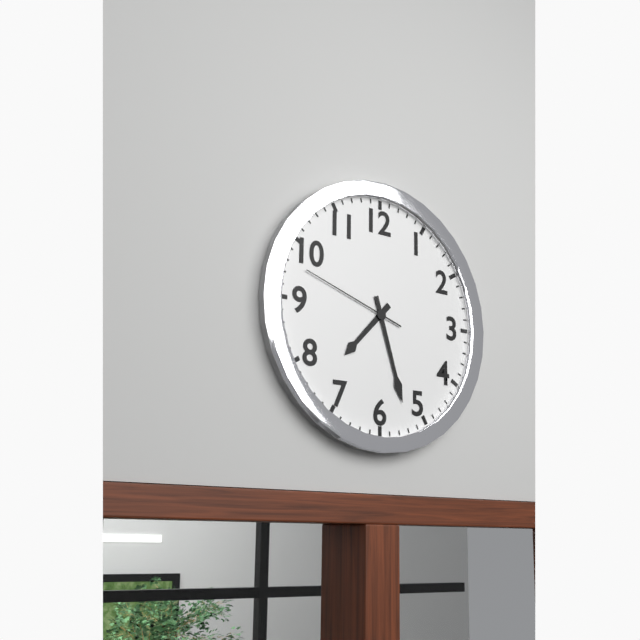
7:27:48
